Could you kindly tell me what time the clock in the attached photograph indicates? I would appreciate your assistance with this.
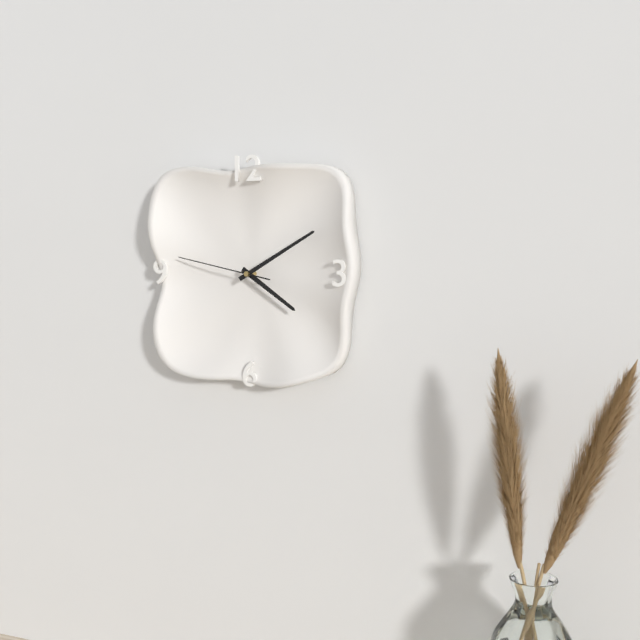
4:10:47
